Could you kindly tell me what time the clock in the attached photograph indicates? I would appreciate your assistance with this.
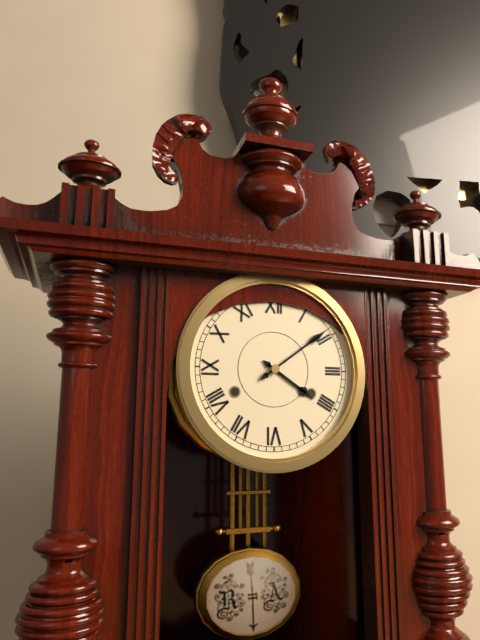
4:09
